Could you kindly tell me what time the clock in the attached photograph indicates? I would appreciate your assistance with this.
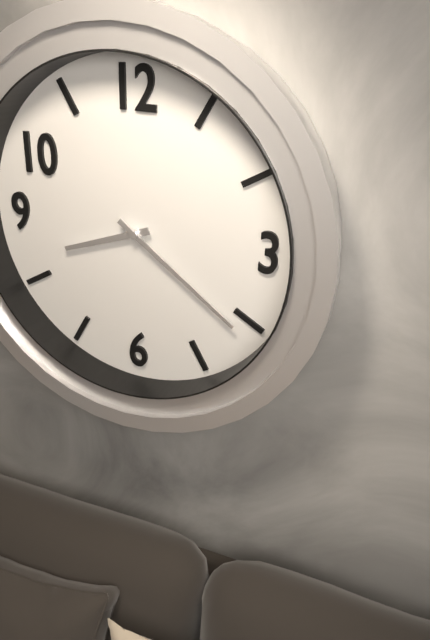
8:21
